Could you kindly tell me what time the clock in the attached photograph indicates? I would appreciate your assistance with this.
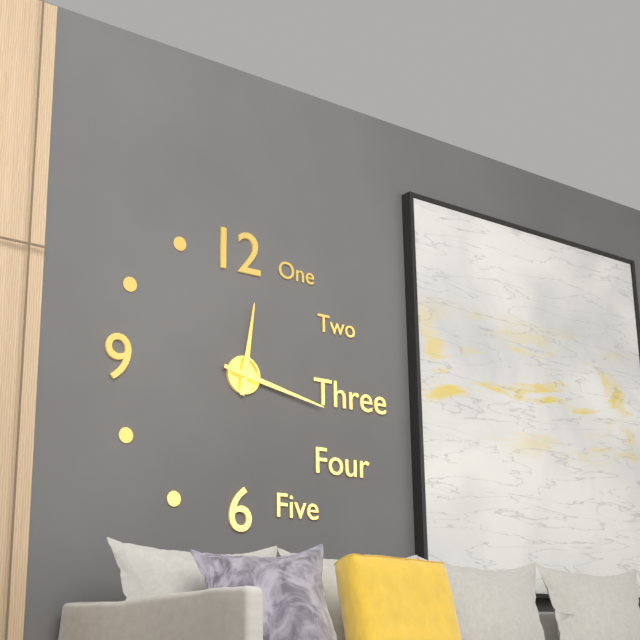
12:17
